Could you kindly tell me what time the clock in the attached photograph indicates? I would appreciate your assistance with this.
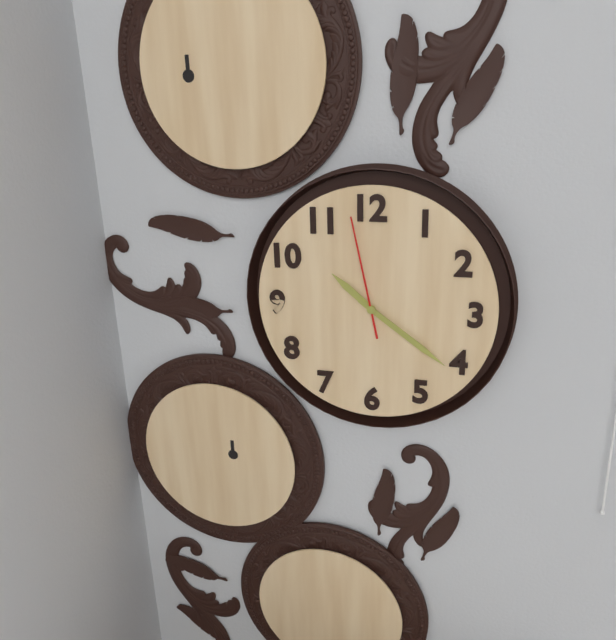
10:21:58
